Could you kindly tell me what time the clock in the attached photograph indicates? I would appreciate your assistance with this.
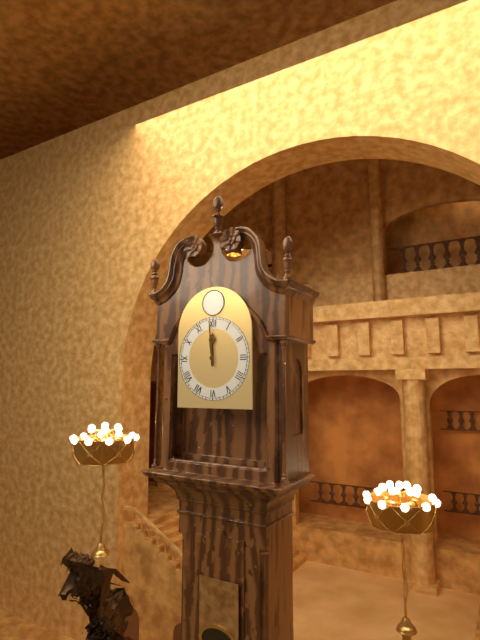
11:59
